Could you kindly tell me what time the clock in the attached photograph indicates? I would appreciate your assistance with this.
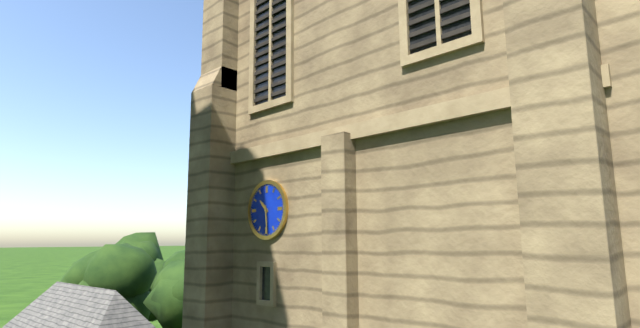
10:29
